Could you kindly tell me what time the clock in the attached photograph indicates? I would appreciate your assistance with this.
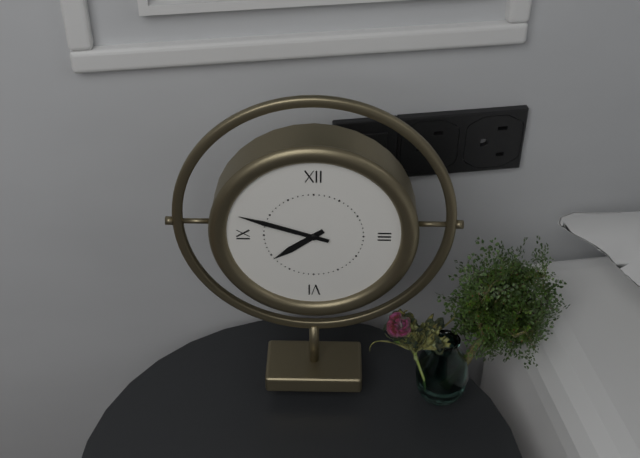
7:48
